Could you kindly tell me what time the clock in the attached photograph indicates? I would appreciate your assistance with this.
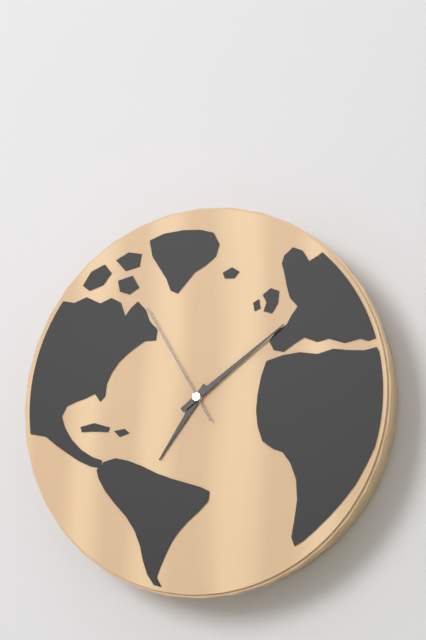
7:09:55
